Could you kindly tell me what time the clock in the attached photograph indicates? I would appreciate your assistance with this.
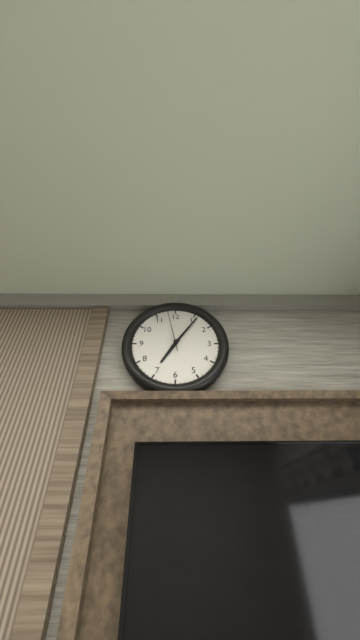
7:06
